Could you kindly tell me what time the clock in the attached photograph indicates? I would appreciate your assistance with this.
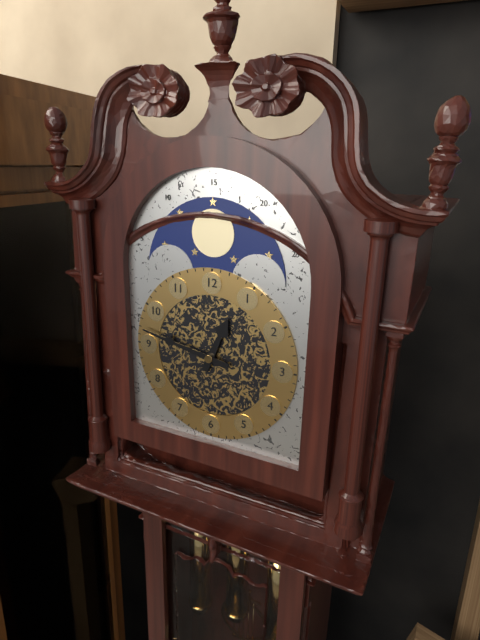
12:47
